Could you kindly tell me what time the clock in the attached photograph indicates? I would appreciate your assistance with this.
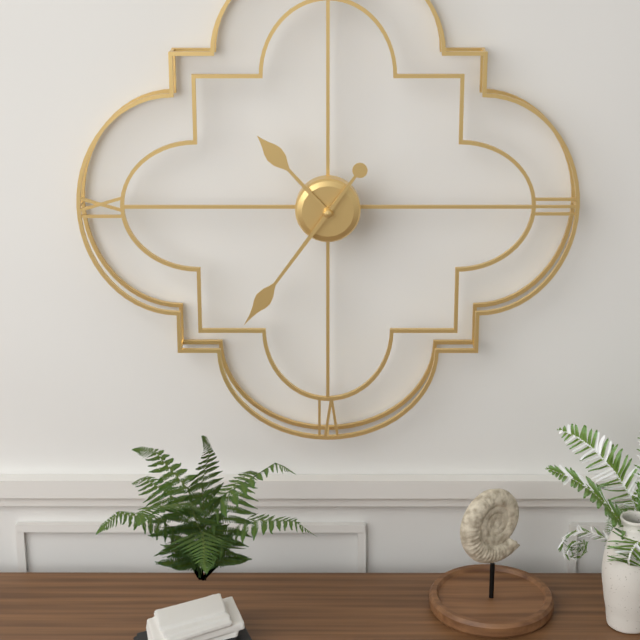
10:36
